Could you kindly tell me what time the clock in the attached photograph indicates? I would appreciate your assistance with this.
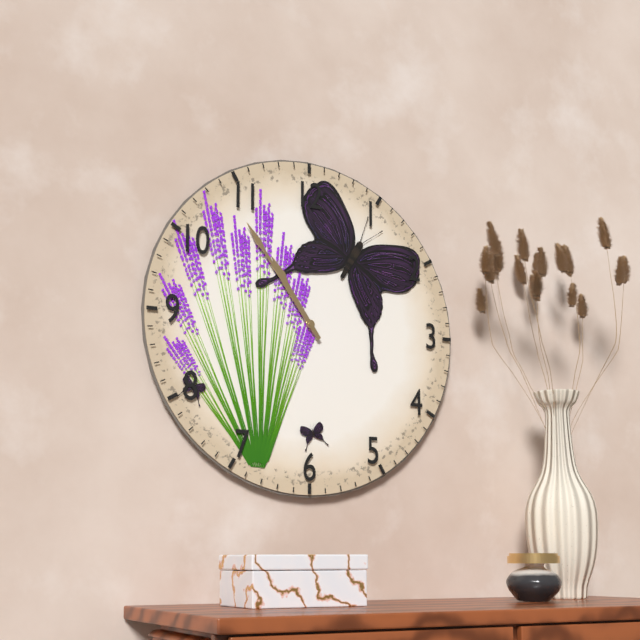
10:54
